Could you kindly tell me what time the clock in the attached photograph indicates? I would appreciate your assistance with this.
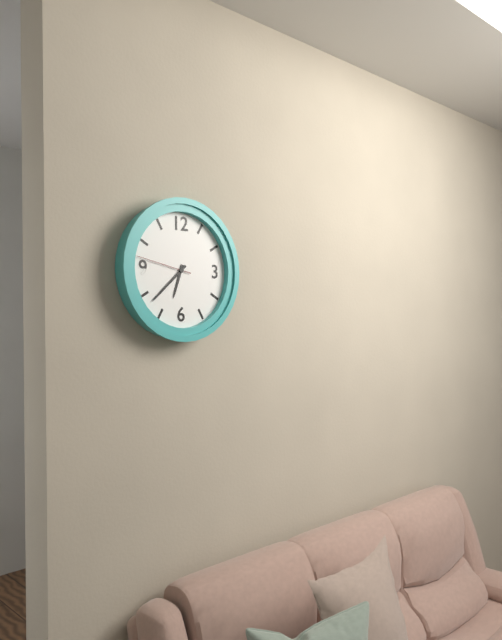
6:38:47
